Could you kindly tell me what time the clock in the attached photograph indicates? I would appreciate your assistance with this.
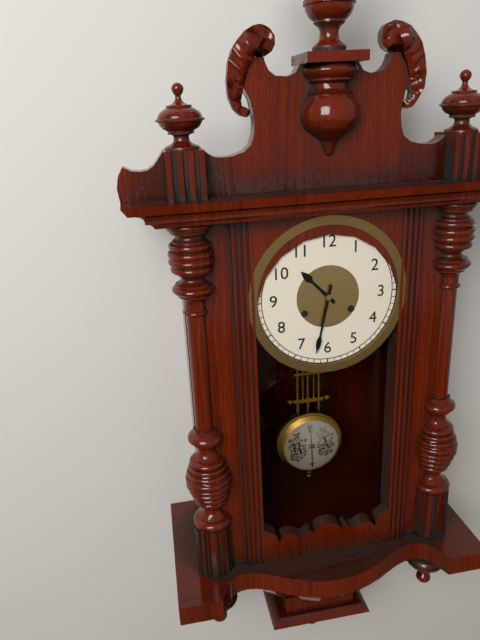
10:32
